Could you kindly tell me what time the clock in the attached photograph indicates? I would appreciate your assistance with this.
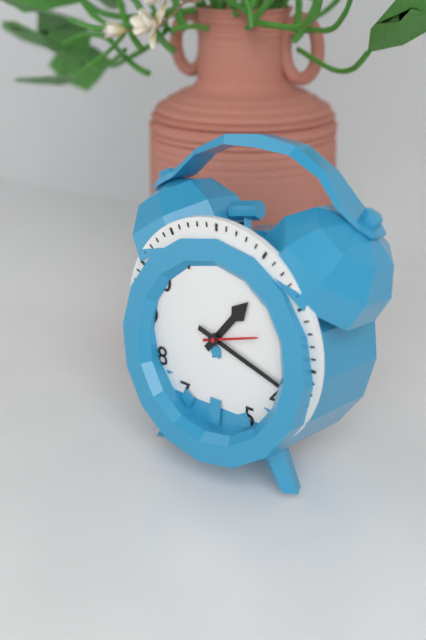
1:18:12
